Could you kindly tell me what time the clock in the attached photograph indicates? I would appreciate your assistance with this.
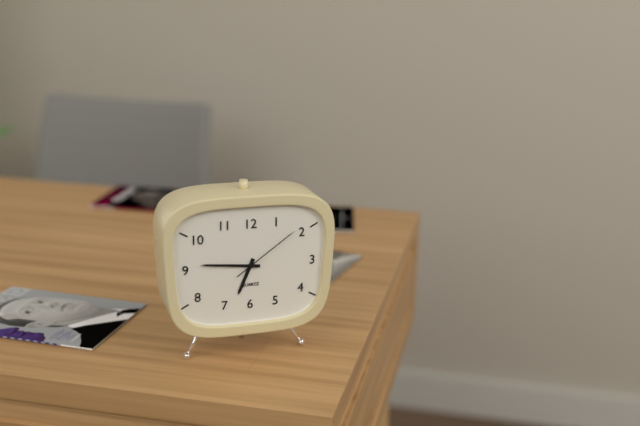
6:46:09
